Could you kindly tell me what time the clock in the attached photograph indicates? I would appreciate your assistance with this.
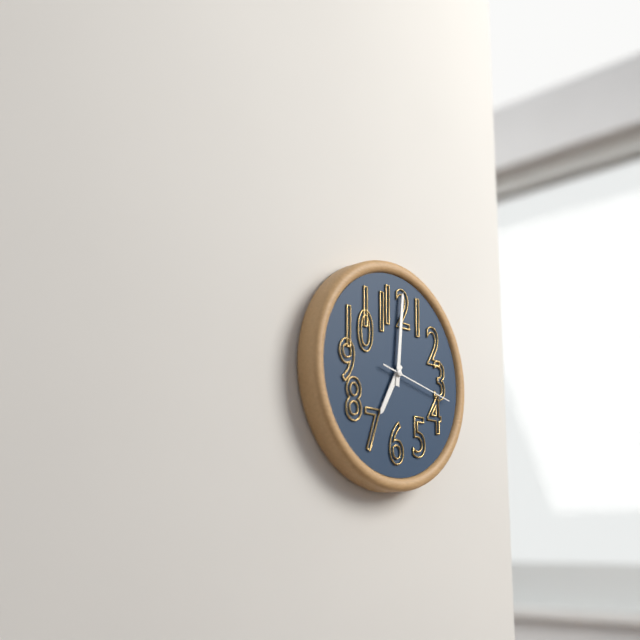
7:01:17
